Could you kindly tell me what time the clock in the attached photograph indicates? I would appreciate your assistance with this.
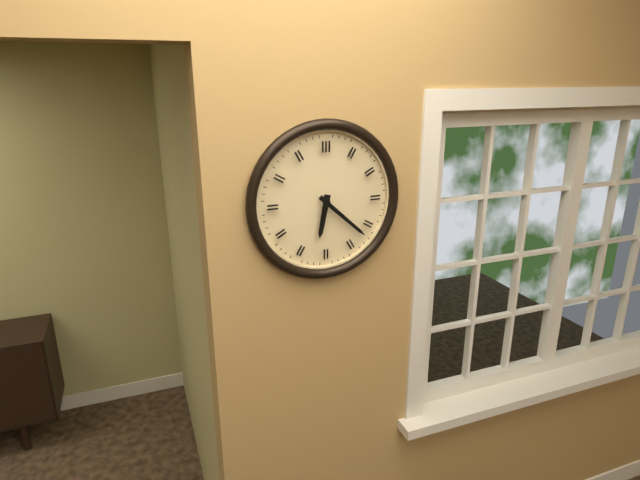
6:22
